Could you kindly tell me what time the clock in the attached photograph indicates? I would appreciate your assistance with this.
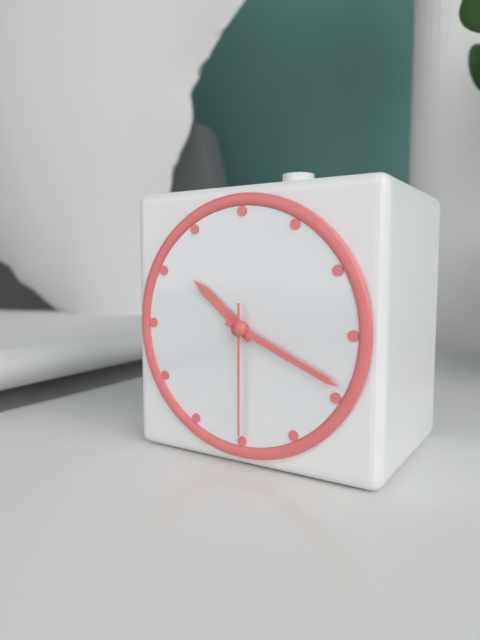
10:19:30
